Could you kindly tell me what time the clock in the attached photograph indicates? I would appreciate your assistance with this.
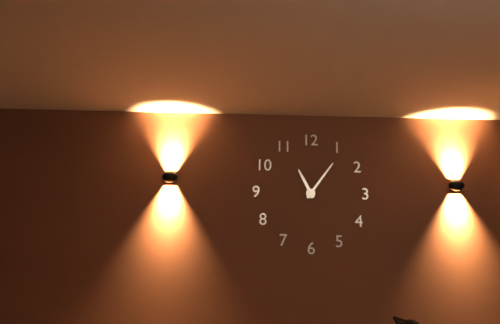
11:06
